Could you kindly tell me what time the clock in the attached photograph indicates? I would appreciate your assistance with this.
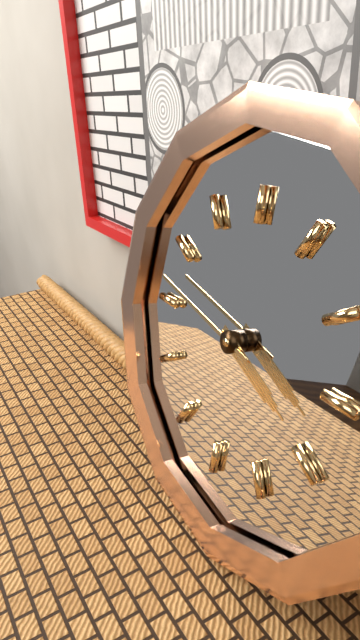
3:47
